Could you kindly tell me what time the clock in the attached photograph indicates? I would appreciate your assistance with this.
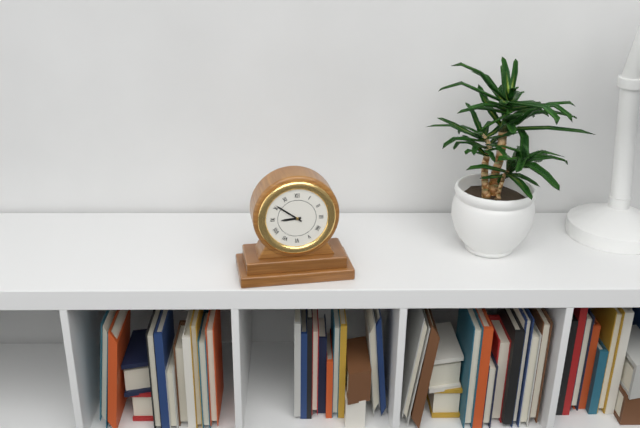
8:51
